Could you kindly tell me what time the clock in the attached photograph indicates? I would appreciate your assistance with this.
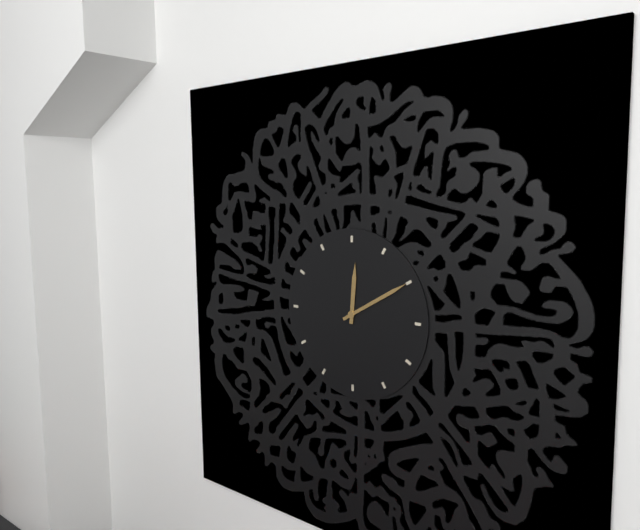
12:10
